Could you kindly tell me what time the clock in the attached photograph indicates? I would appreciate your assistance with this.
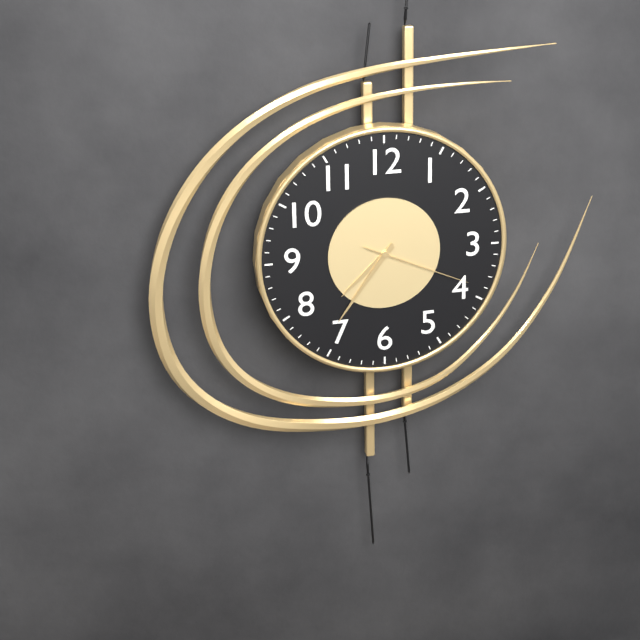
7:36:19
